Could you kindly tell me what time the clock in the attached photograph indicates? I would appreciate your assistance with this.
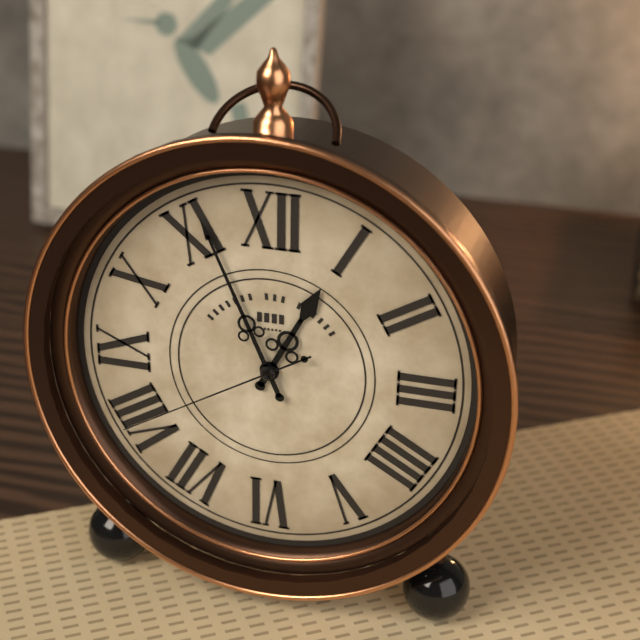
12:56:40
